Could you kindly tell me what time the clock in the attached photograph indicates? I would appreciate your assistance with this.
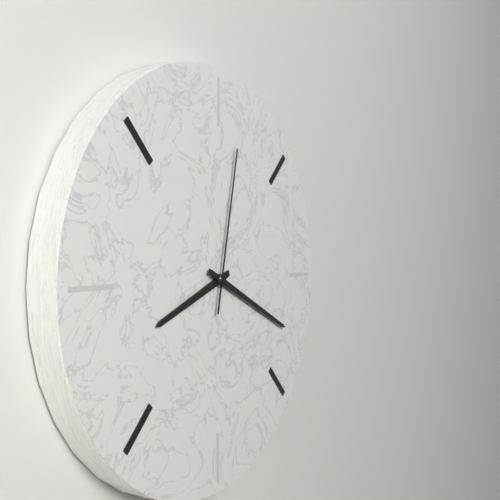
8:19:02
